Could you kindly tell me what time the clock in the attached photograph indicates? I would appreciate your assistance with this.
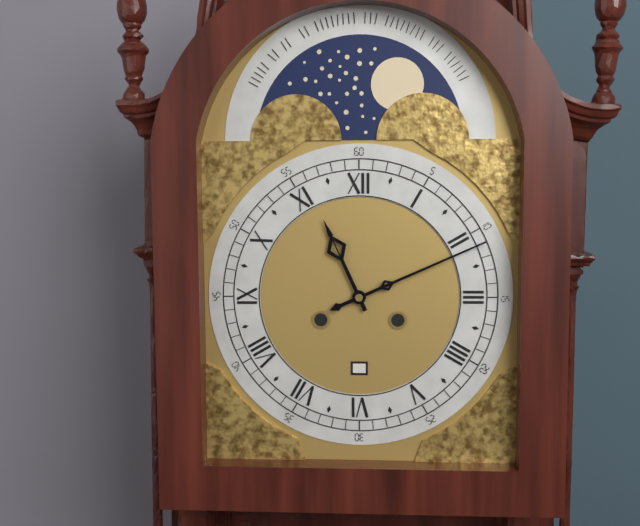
11:11
